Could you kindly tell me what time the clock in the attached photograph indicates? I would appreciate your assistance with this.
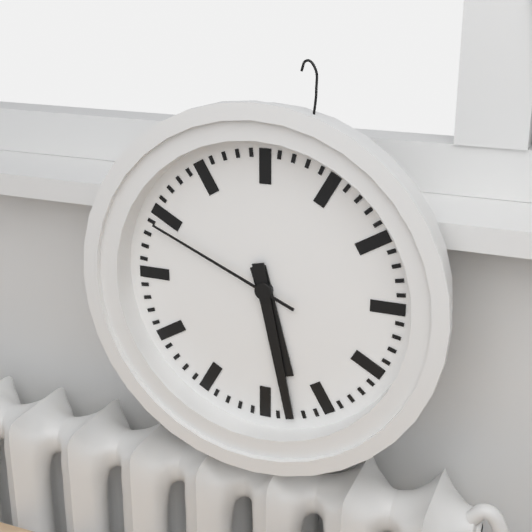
5:28:49
